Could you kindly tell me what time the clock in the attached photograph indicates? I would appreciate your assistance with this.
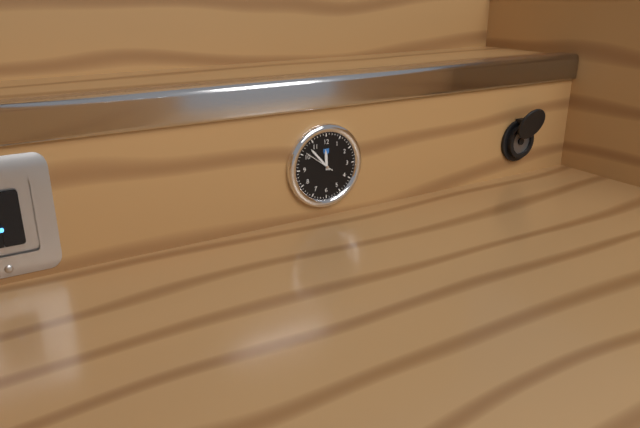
11:53
